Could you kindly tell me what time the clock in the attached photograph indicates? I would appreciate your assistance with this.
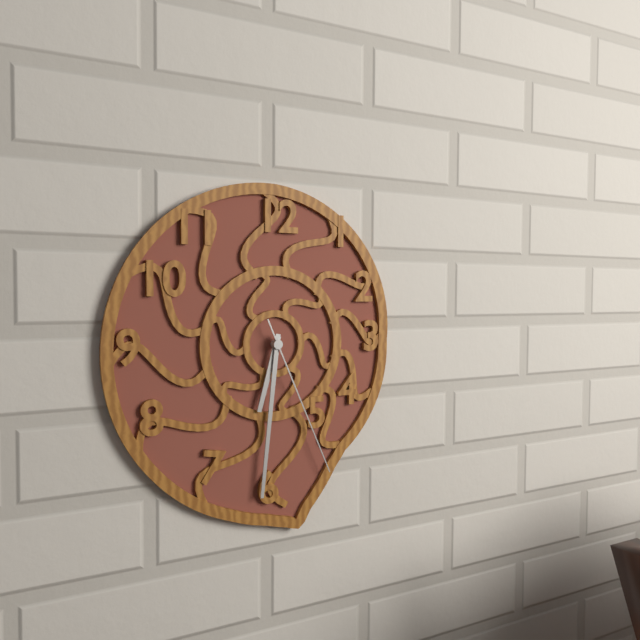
6:31:26
